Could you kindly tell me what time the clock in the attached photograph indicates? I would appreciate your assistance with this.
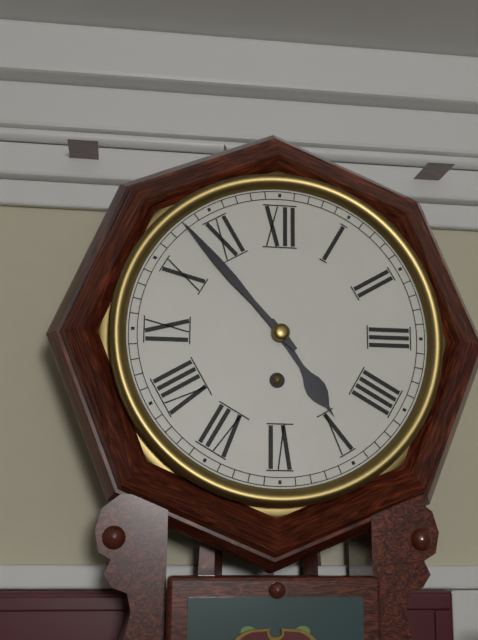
4:53
